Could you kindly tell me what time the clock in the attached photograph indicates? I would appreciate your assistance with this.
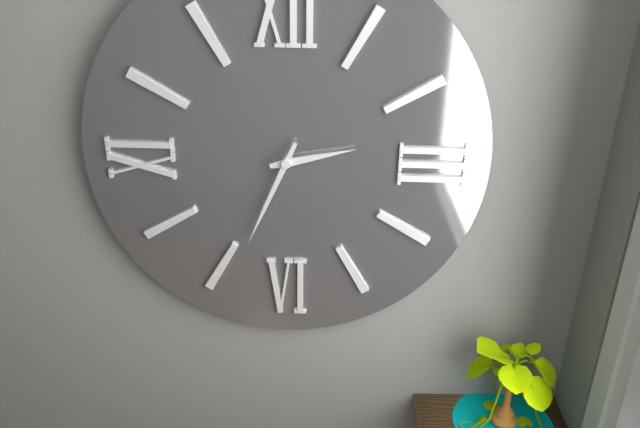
2:34
